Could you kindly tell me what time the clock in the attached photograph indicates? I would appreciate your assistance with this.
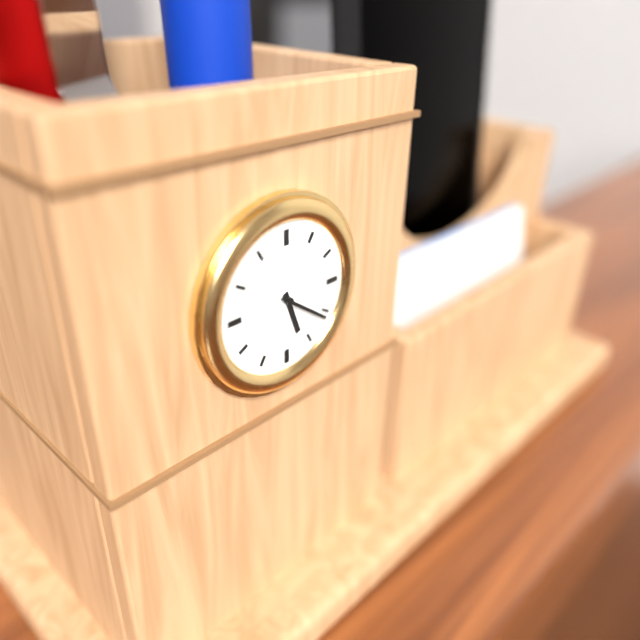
5:21
